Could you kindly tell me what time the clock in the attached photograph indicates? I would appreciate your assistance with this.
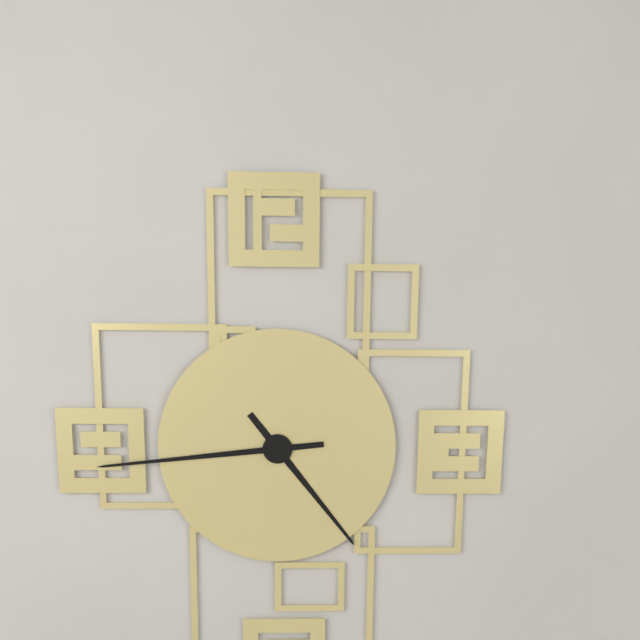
4:44
